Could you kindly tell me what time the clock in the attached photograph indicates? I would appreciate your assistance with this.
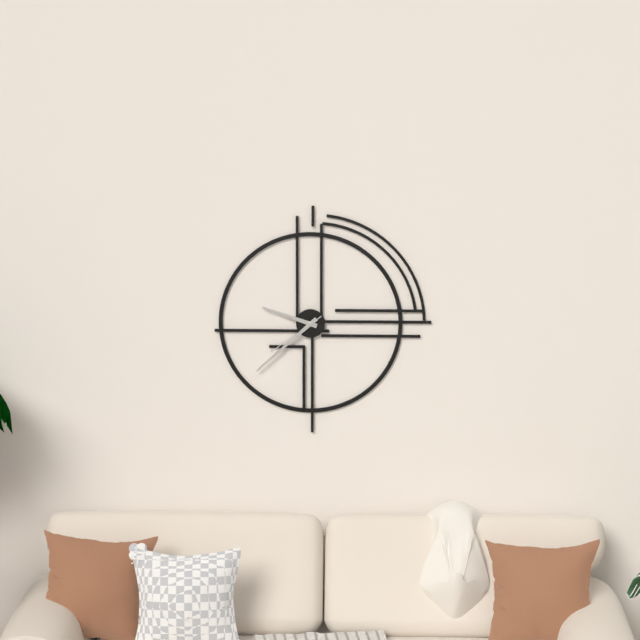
9:38:39
